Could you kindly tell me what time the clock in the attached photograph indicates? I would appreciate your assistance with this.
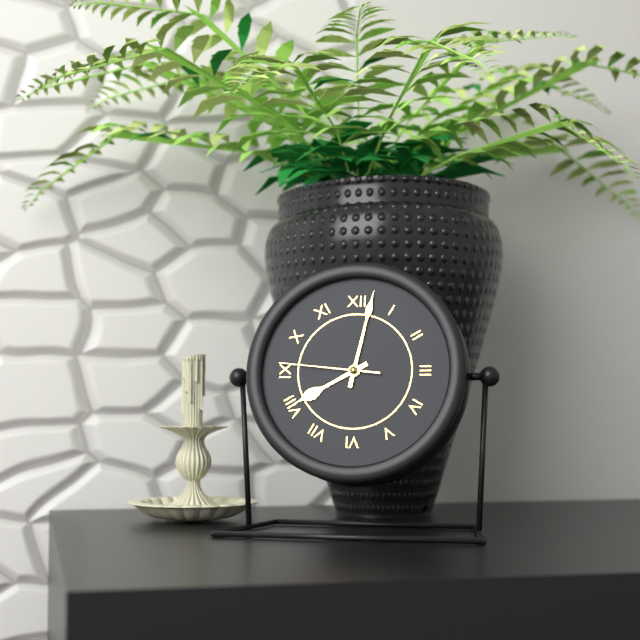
8:02:46
